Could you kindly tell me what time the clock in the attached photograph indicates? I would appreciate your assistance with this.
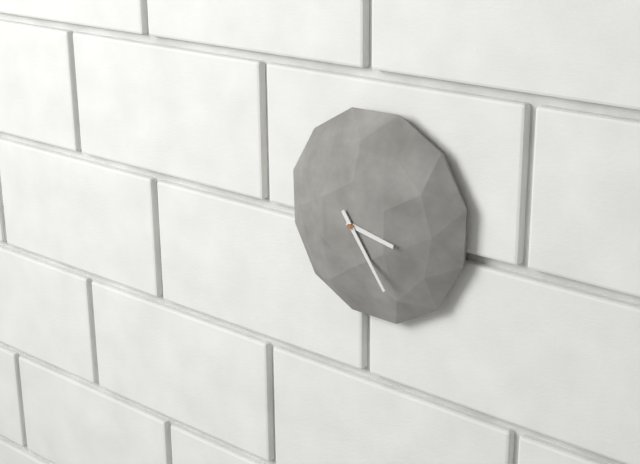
3:24
